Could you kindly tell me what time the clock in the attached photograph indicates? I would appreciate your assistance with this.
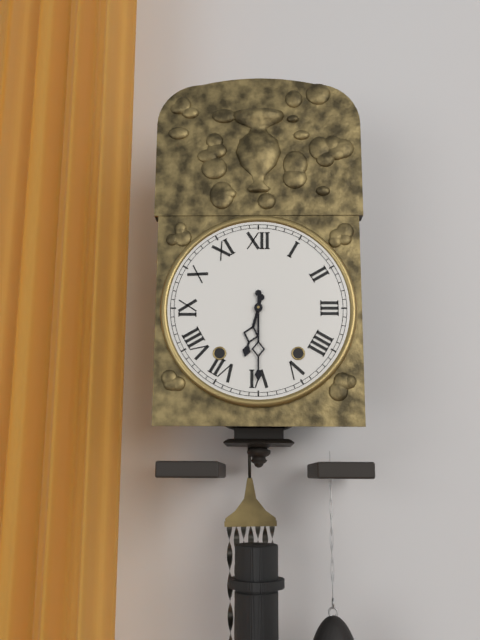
6:30
